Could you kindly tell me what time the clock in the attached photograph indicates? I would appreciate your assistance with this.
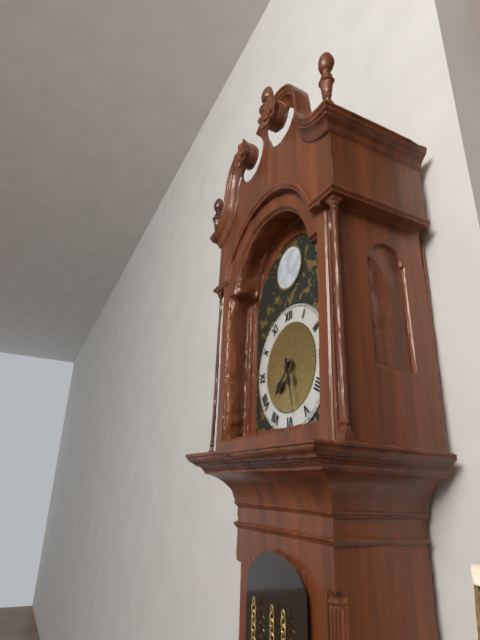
7:28
